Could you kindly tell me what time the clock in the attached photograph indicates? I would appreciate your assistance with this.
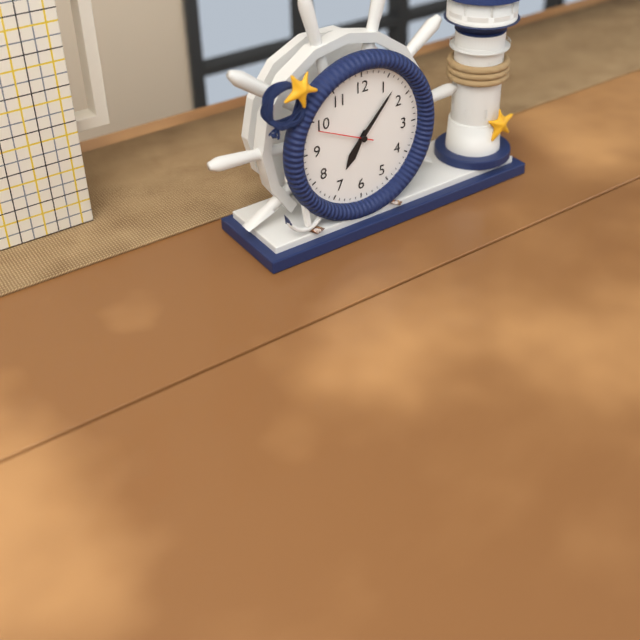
7:07:49
